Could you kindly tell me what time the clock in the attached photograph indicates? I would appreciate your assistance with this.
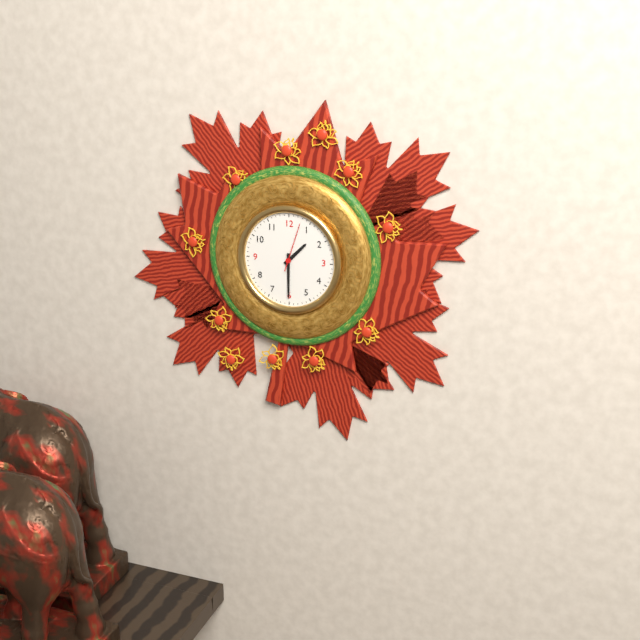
1:30:03
